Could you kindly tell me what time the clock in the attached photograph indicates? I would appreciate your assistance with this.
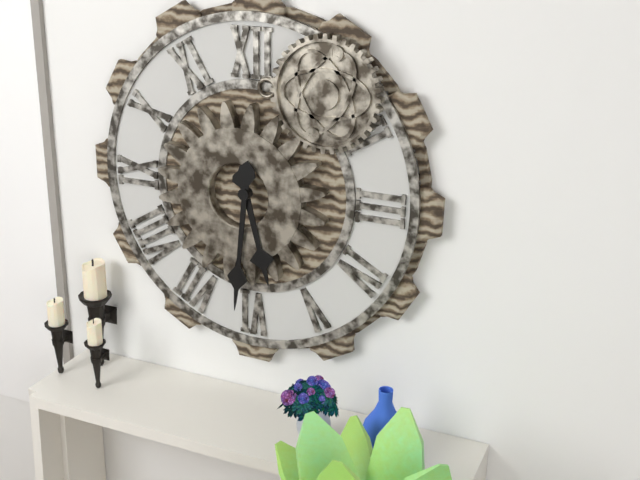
5:31
